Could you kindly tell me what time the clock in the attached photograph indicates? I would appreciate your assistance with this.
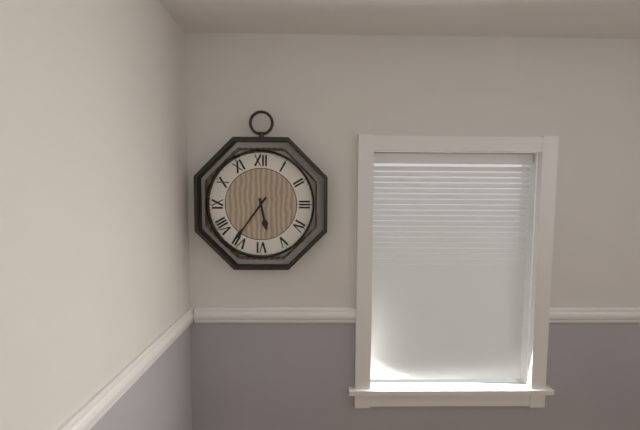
5:36
